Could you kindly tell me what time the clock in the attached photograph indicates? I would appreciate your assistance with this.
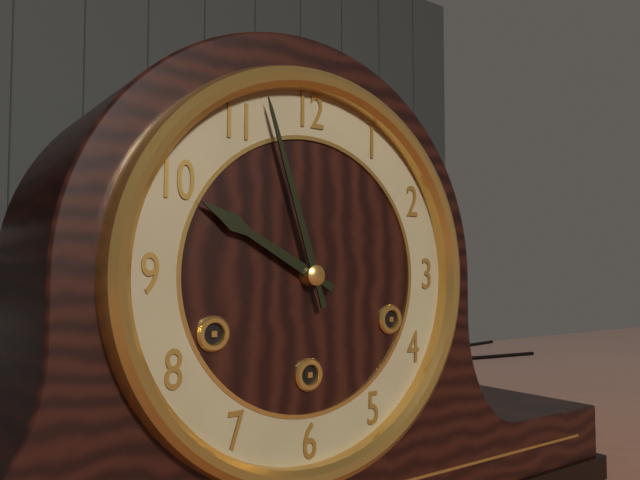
9:57
